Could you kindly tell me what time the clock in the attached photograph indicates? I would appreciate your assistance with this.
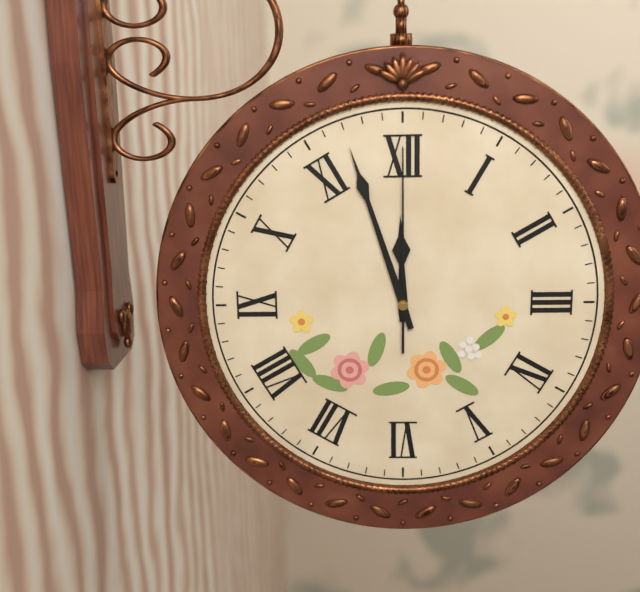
11:57:00
